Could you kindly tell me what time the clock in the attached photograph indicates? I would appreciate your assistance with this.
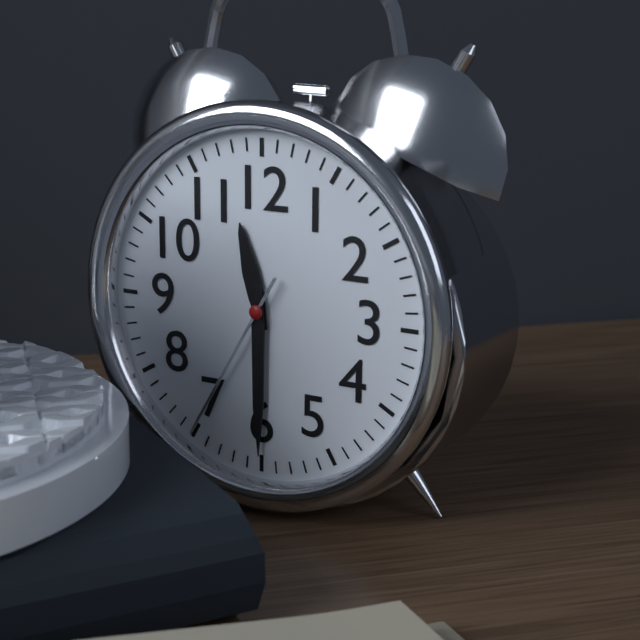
11:30:35
